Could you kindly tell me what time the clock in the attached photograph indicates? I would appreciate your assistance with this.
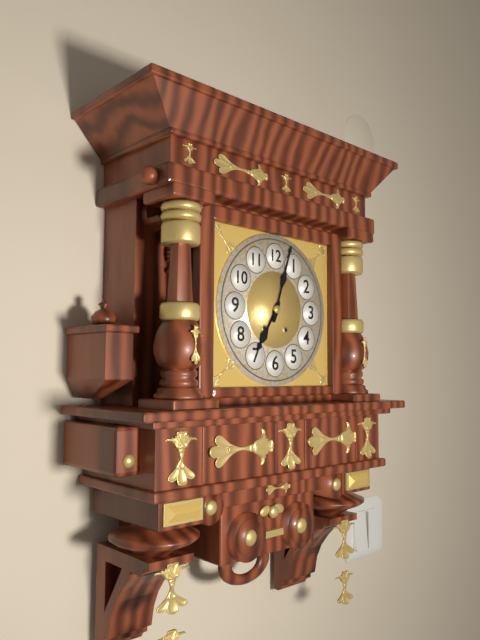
7:03
